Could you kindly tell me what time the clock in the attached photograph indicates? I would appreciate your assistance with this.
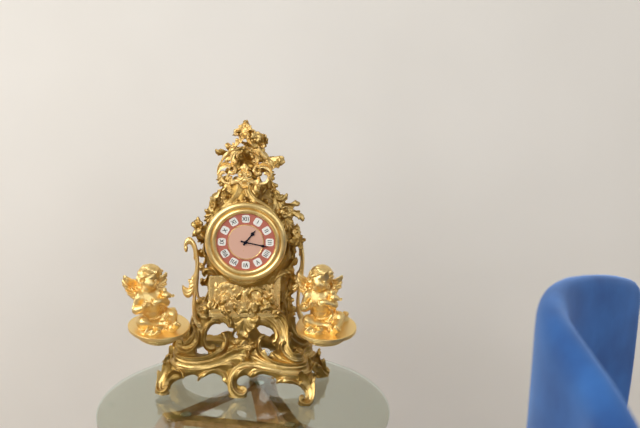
1:17
